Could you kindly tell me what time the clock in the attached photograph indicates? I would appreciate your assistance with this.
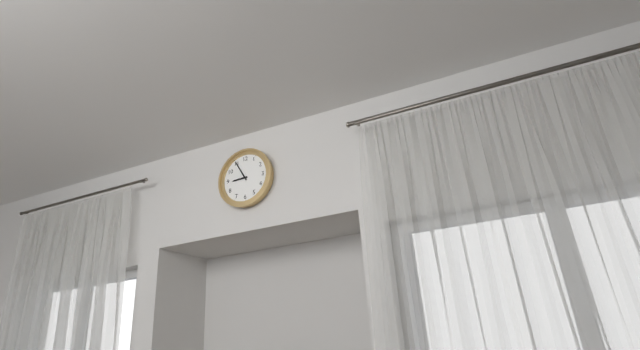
8:55
